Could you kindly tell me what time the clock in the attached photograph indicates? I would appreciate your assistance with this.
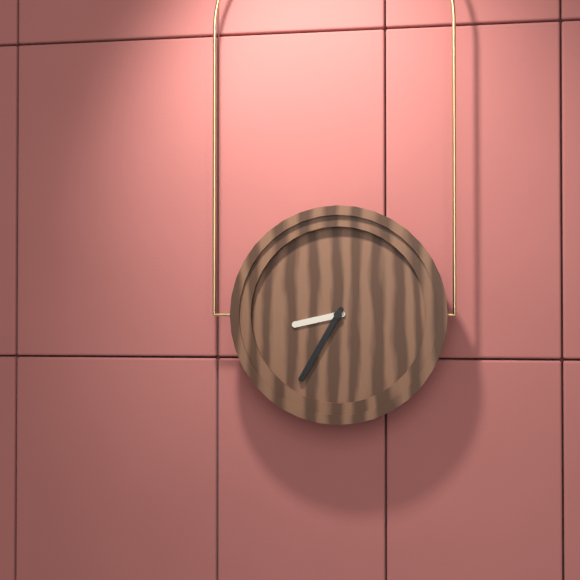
8:35
